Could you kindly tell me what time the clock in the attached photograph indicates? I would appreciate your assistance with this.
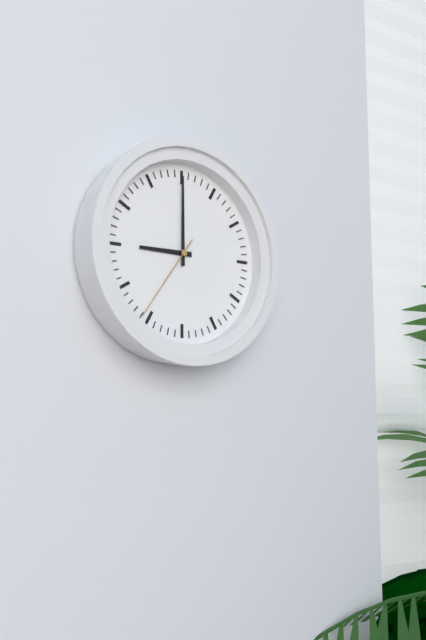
9:00:36
